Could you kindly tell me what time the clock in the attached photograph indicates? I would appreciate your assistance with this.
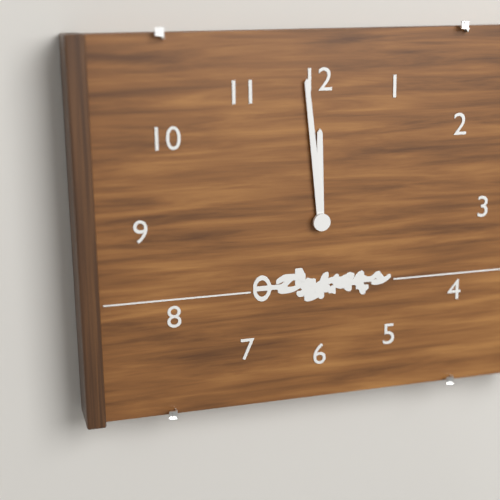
11:59
